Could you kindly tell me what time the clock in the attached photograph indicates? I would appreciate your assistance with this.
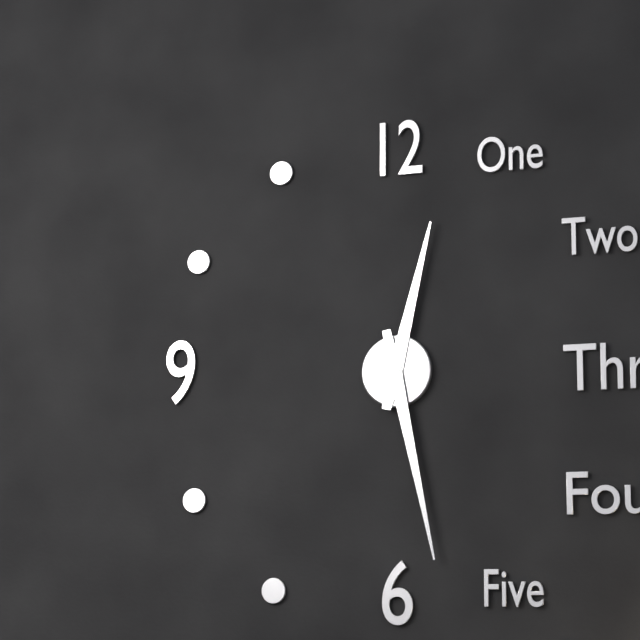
12:28
